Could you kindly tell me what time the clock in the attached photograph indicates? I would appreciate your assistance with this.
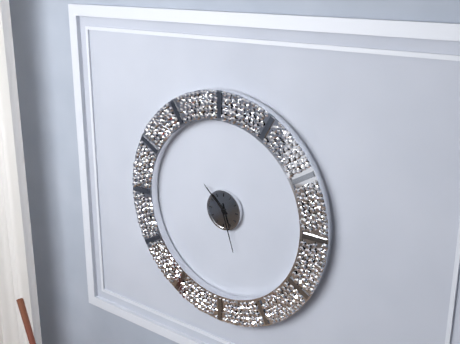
10:27
